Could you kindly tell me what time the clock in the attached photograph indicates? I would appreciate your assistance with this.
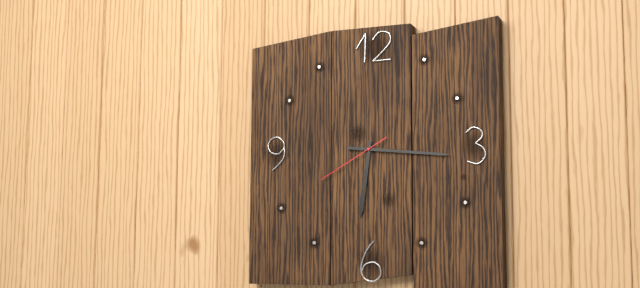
6:16:40
